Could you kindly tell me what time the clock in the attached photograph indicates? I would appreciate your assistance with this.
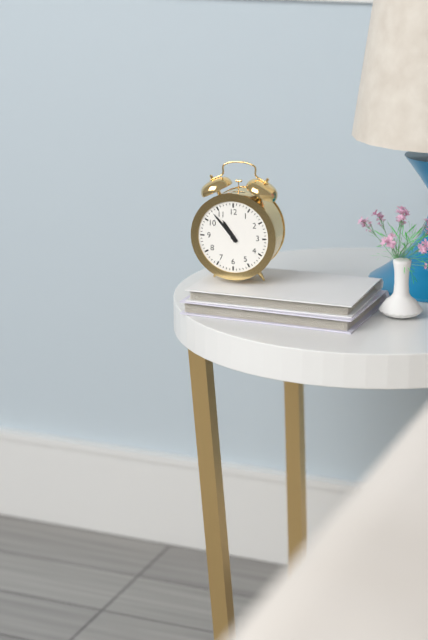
10:53
